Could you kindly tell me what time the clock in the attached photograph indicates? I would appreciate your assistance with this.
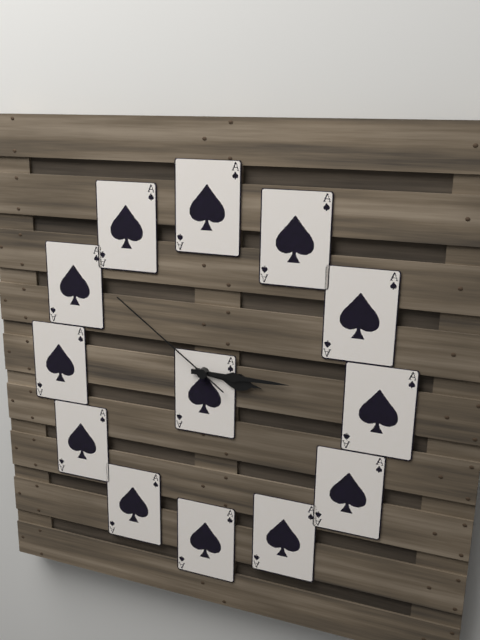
3:15:51
